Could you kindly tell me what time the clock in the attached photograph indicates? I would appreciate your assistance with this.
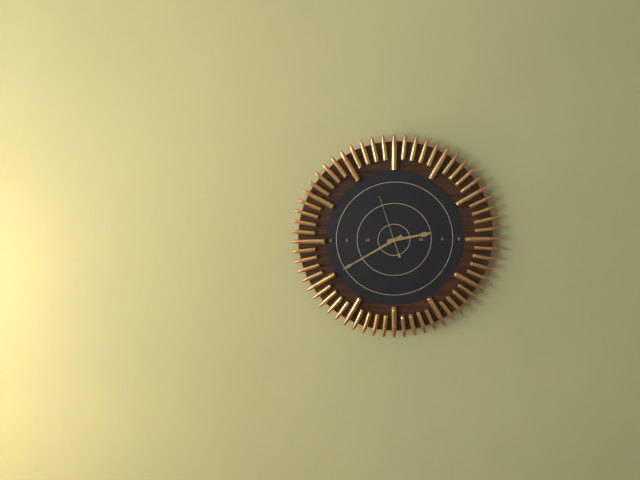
2:40:57
